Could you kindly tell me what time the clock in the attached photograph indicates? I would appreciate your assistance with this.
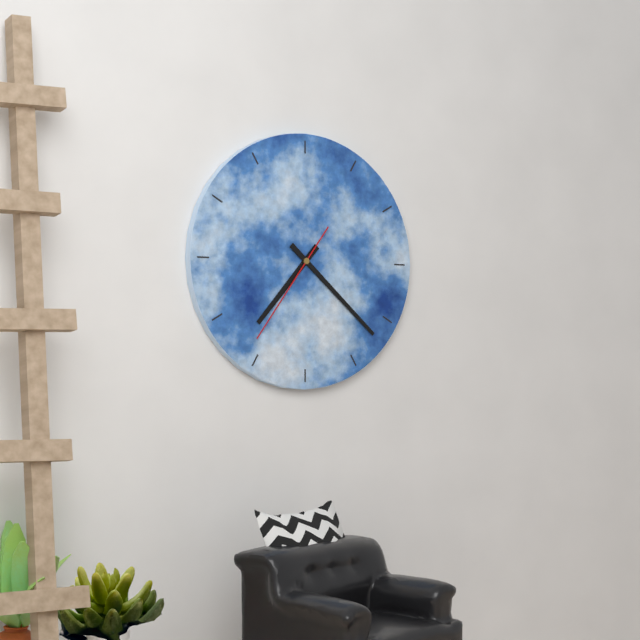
7:22:36
